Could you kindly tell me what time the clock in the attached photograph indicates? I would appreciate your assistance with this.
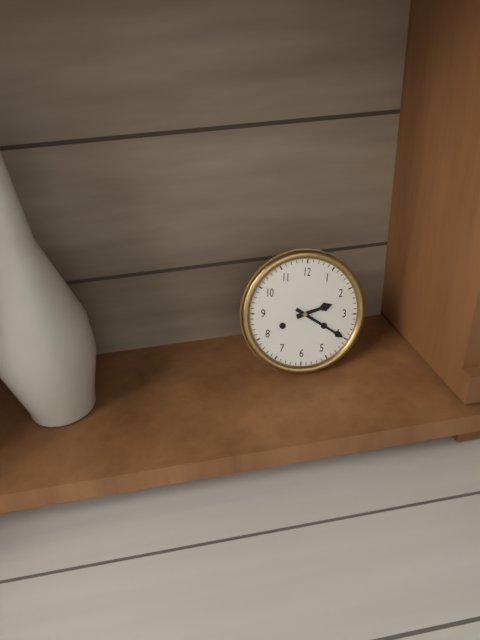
2:20
